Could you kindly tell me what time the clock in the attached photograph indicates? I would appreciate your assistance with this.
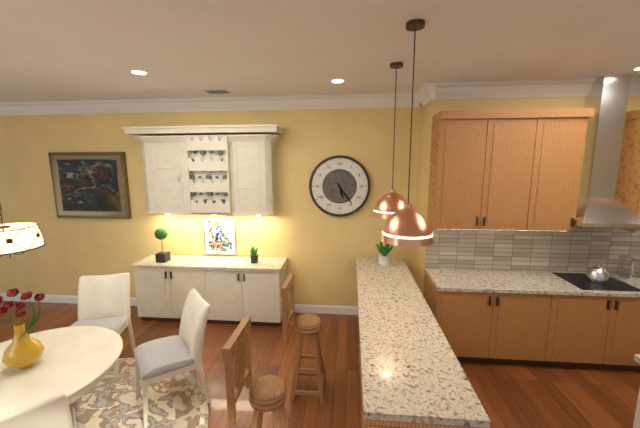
5:24
